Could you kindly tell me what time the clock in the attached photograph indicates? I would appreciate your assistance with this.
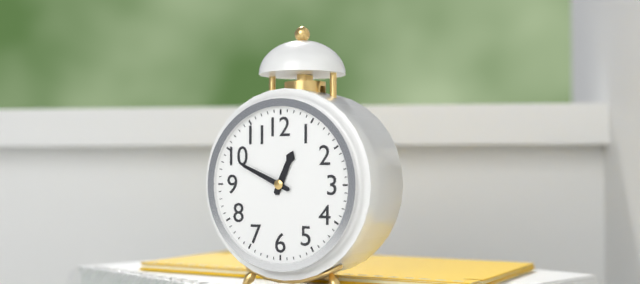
12:49
